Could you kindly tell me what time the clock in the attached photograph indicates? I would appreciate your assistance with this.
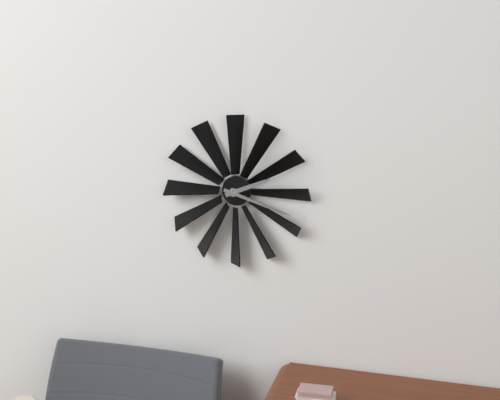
2:18
